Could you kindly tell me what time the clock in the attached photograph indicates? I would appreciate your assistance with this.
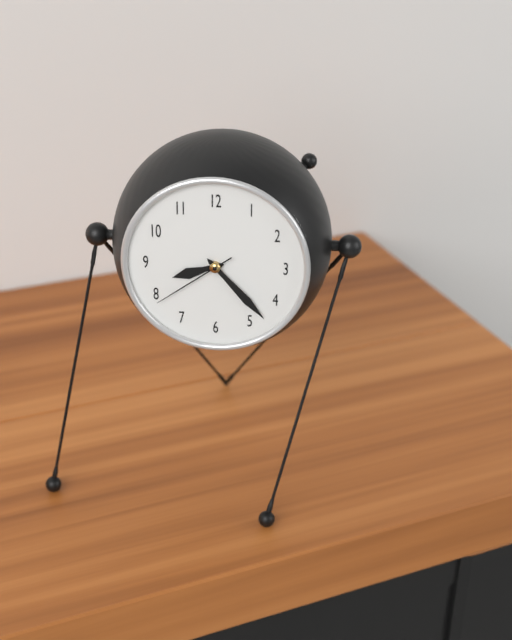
8:23:39
